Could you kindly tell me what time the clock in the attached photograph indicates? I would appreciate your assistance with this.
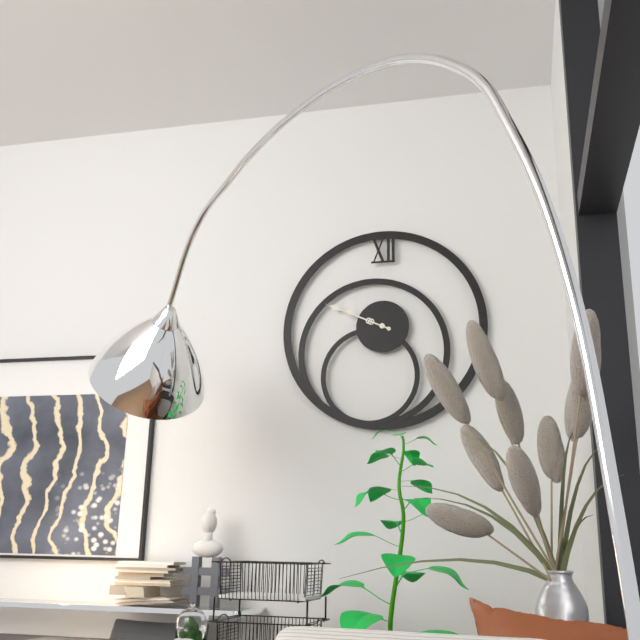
9:49
